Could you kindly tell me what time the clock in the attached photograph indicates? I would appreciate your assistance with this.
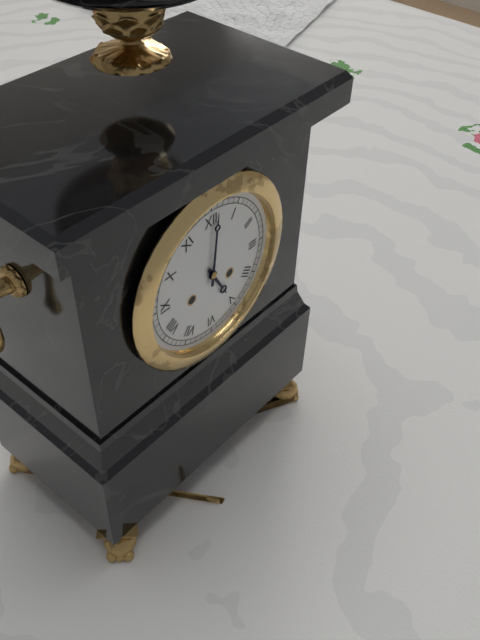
5:01
